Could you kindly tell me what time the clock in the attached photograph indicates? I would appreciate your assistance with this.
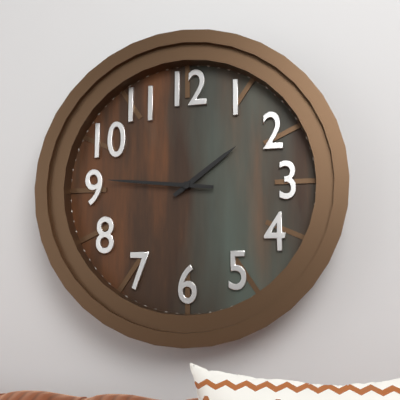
1:46
